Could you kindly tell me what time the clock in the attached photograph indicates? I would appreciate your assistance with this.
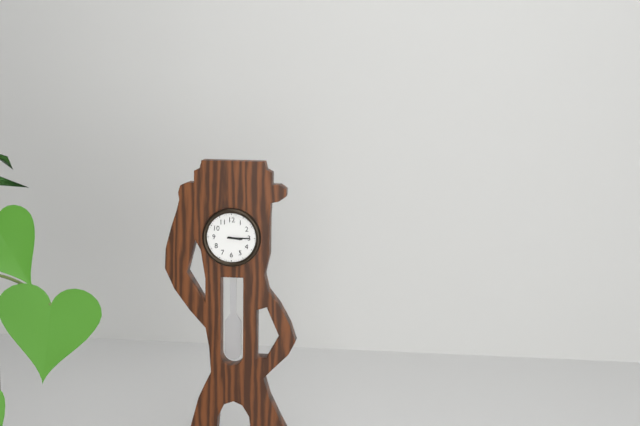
3:15
